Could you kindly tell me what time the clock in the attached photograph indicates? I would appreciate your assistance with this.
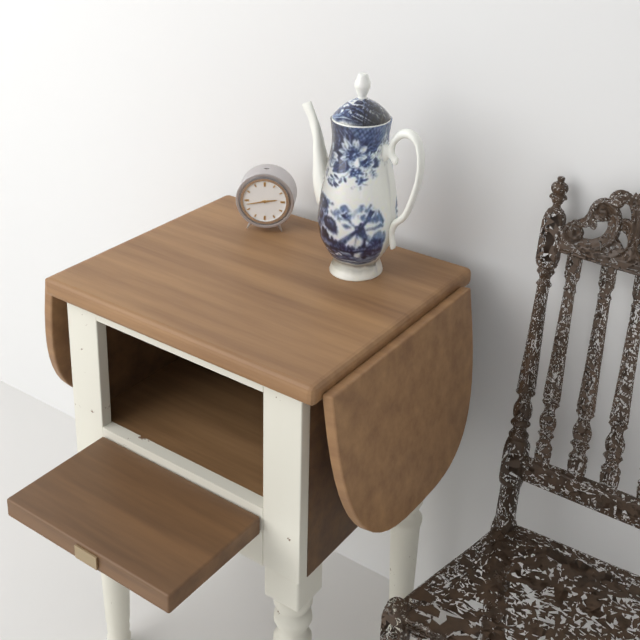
2:43
